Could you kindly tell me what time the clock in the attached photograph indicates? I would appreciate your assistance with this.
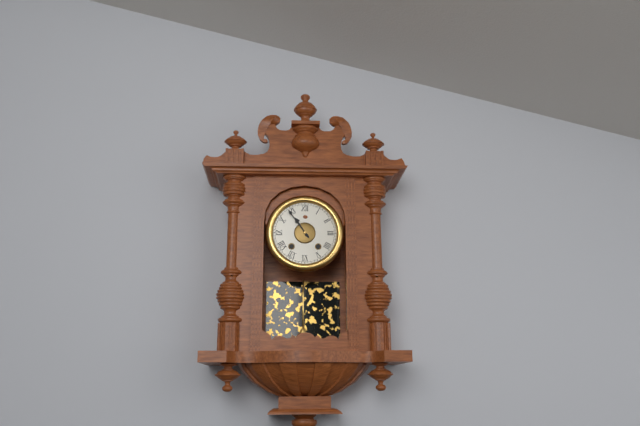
10:54
